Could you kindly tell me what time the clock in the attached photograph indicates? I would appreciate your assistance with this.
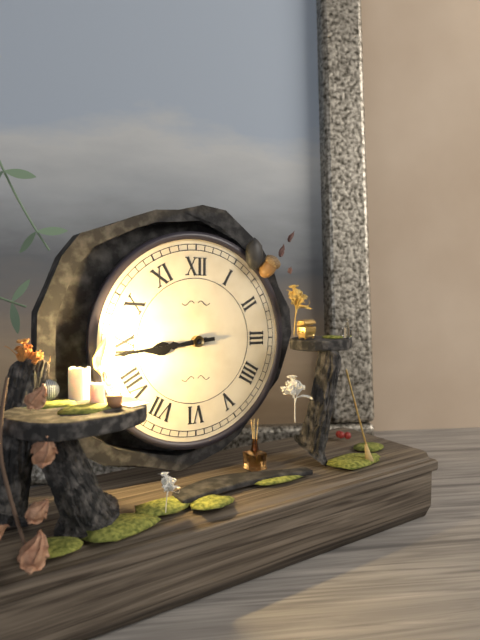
8:44
